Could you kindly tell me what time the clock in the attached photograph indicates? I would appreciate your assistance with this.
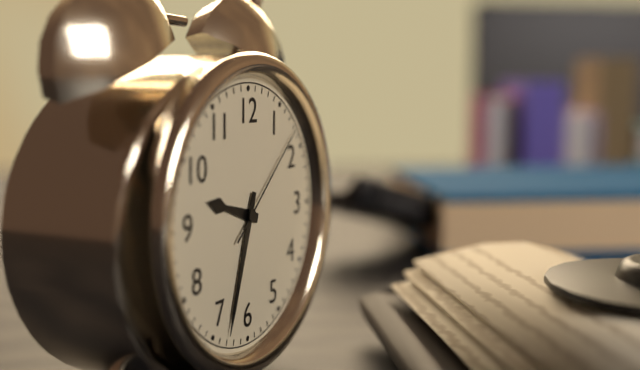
9:33:08
